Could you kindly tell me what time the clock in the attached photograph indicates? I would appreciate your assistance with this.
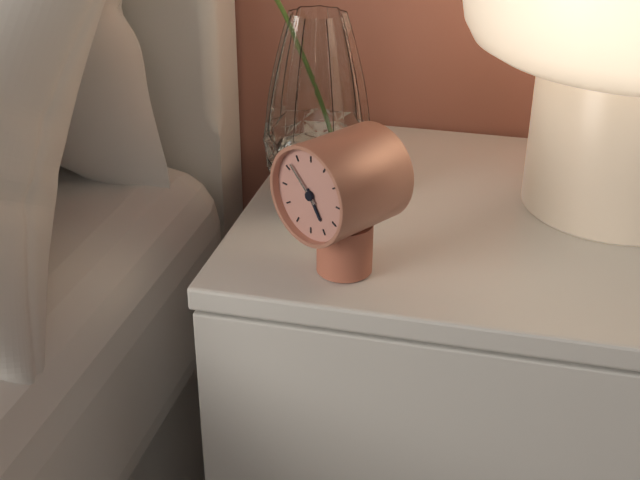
4:52
